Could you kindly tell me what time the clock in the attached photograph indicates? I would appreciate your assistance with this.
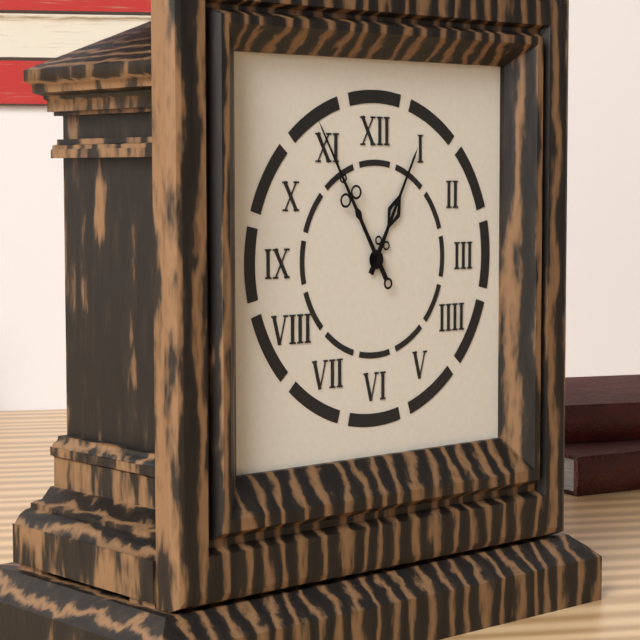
12:55
